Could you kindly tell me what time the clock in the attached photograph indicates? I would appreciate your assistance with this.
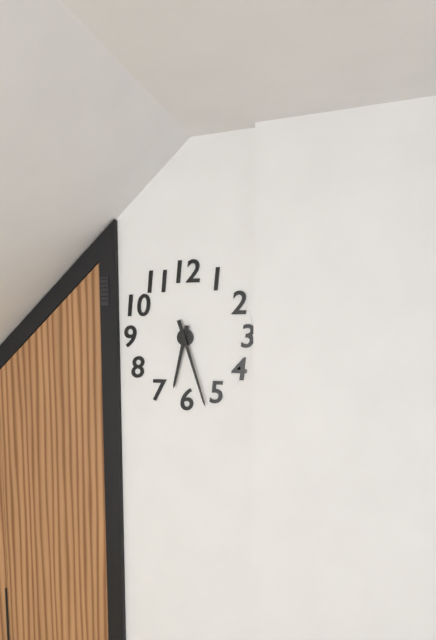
6:27
